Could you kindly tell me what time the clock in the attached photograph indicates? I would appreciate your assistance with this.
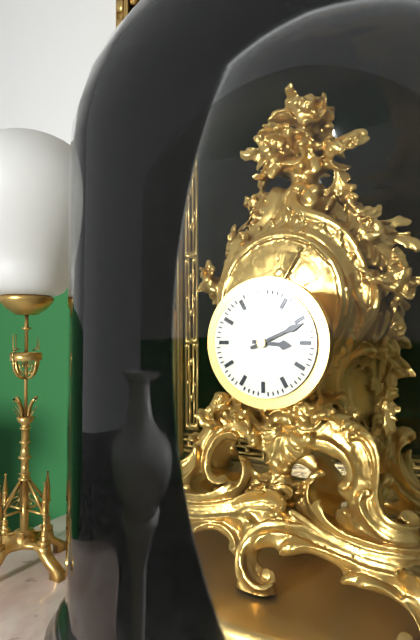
3:11
